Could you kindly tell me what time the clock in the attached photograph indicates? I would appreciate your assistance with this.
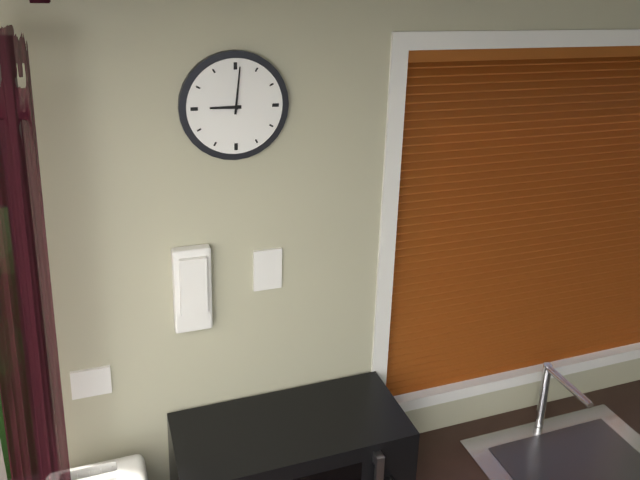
9:01
